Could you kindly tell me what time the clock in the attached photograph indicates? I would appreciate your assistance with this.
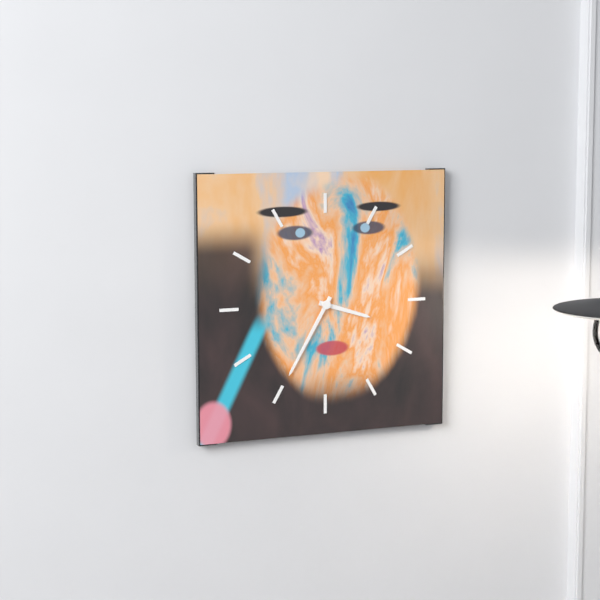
3:35
